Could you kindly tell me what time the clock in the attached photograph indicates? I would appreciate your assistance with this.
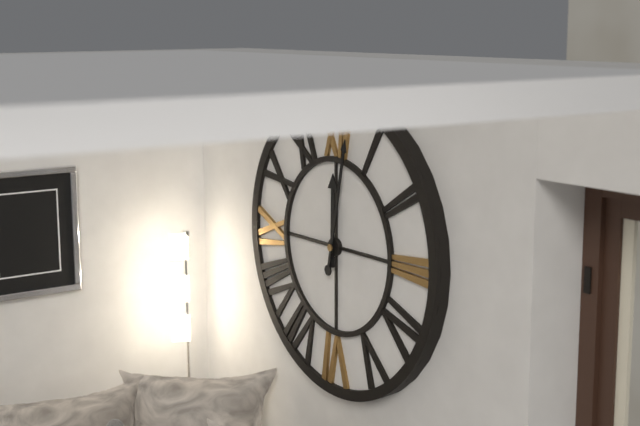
12:02
